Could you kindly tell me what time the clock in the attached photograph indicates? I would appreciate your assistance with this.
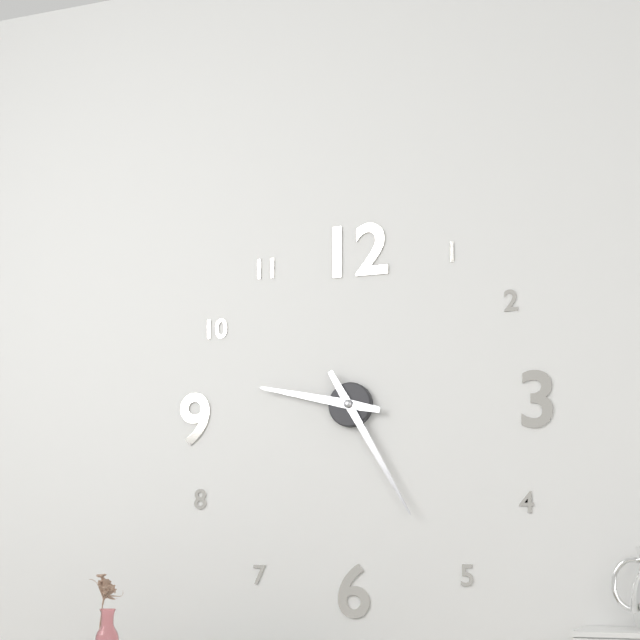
9:25
